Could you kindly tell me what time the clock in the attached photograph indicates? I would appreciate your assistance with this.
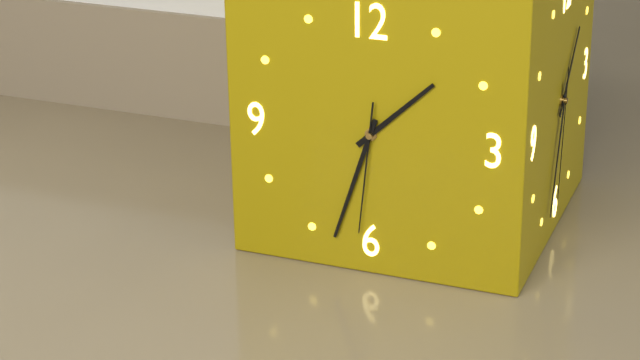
1:33:31
